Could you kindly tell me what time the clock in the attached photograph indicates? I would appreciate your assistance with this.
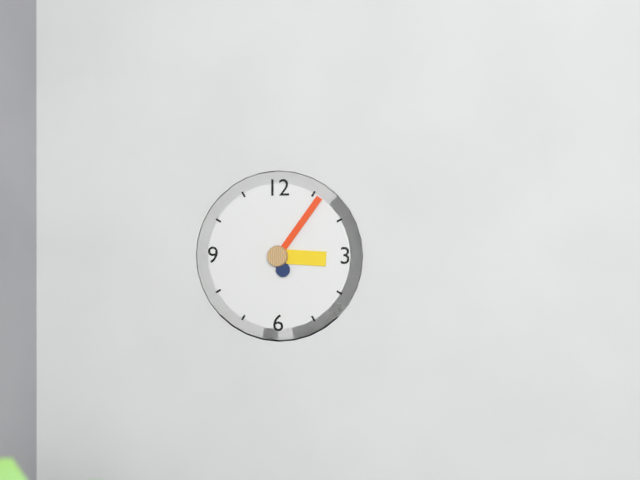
3:06
